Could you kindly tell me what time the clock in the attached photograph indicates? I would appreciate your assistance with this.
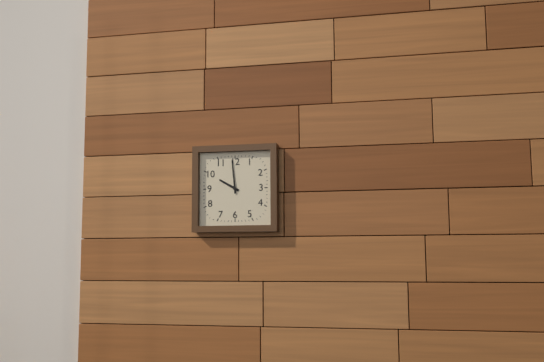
9:59
